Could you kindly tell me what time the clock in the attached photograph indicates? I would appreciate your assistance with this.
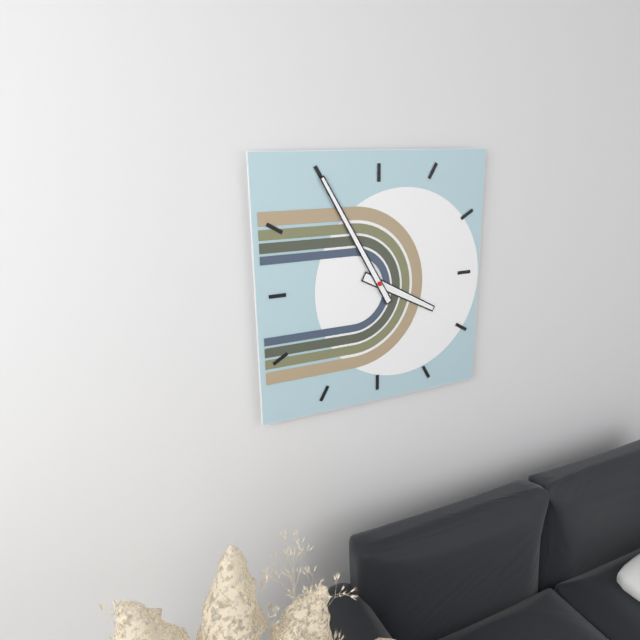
3:55
